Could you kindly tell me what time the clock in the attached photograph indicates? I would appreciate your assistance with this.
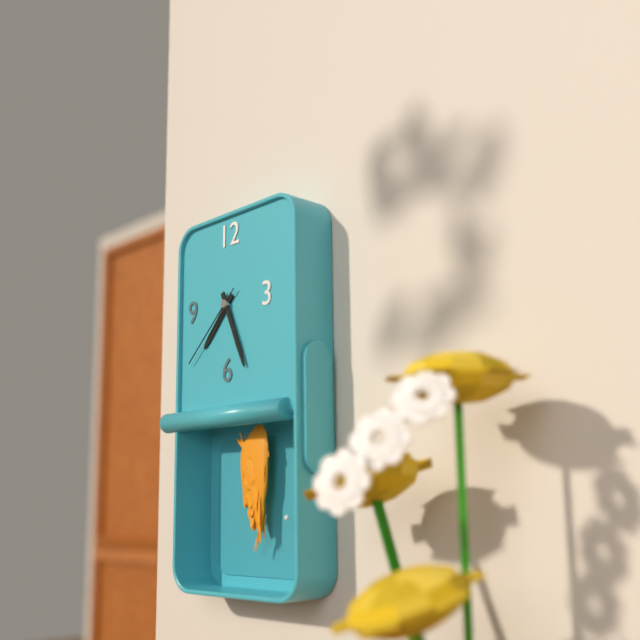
7:26:38
